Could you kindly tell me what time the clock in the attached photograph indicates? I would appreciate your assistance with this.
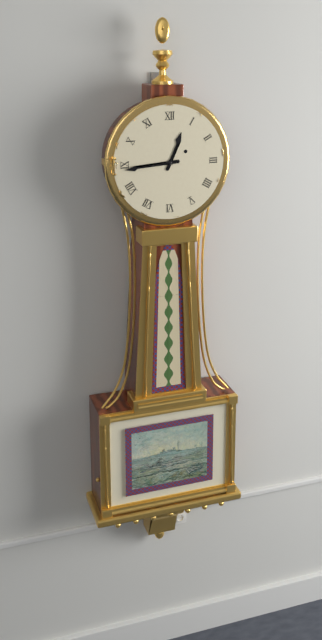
12:44
